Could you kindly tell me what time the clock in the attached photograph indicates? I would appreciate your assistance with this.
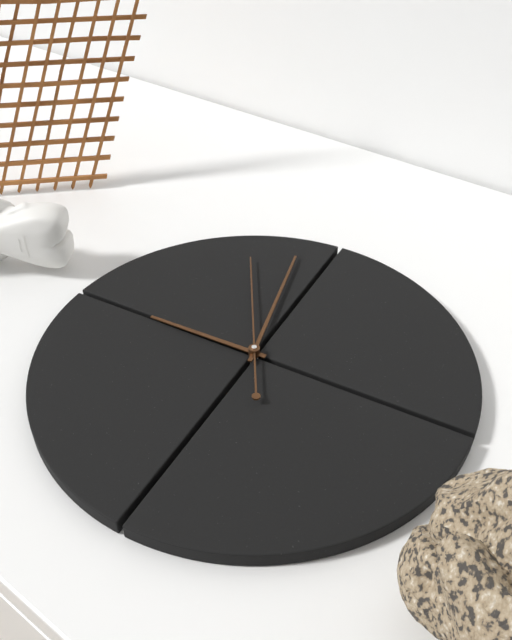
8:58:55
